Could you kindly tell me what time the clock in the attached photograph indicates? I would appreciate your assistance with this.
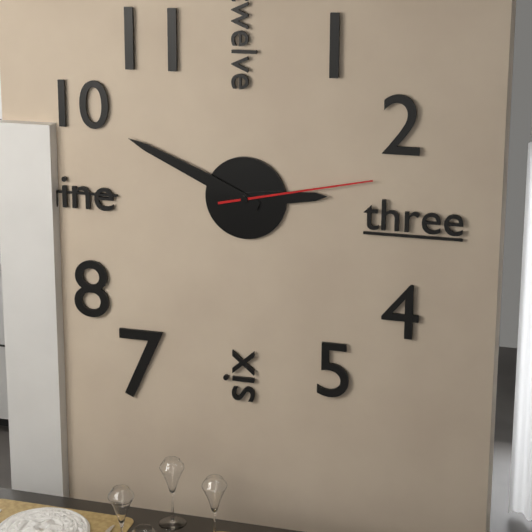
2:49:13
